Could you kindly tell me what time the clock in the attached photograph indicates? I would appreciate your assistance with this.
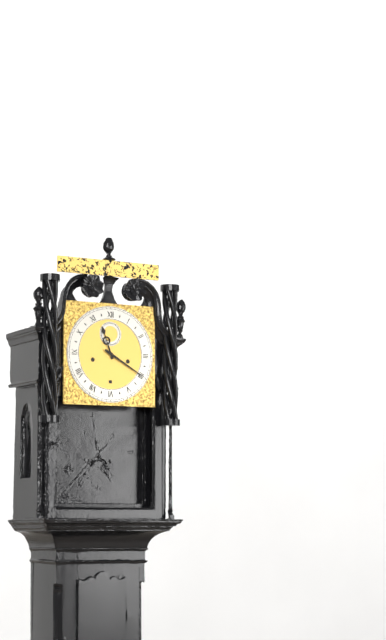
11:20
